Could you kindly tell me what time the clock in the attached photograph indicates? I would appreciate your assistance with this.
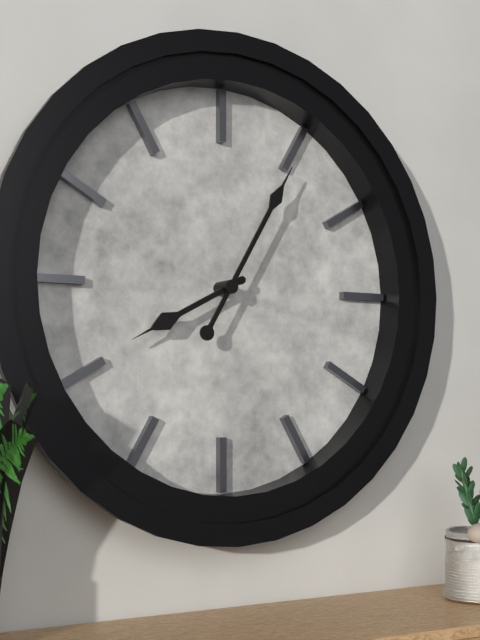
8:05
